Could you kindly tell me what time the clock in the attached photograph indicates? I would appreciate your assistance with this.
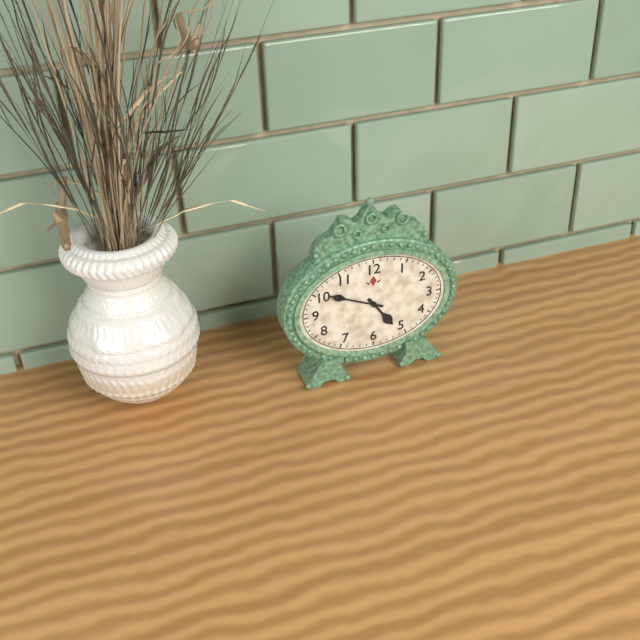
4:49
